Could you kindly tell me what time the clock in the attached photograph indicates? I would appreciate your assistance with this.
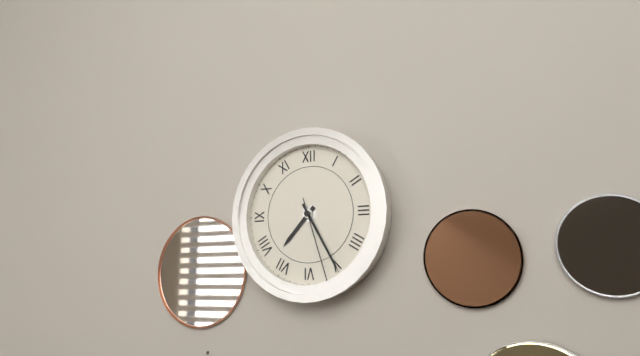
7:25:27
